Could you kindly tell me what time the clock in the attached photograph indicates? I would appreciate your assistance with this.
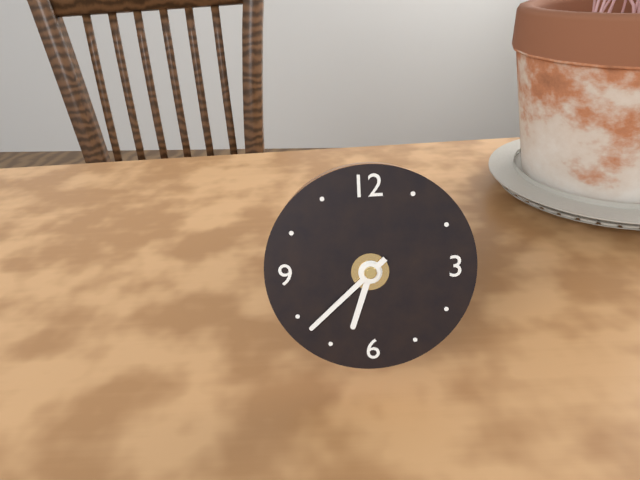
6:38
